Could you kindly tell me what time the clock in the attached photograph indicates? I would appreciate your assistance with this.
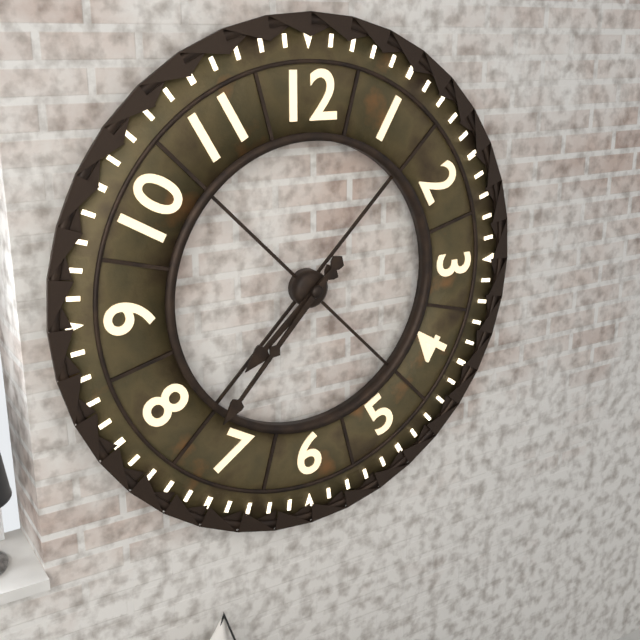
7:37
